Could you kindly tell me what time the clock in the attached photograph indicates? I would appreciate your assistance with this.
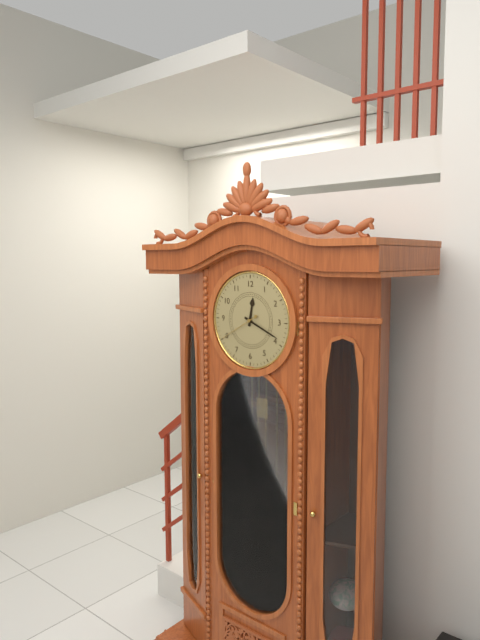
12:19
